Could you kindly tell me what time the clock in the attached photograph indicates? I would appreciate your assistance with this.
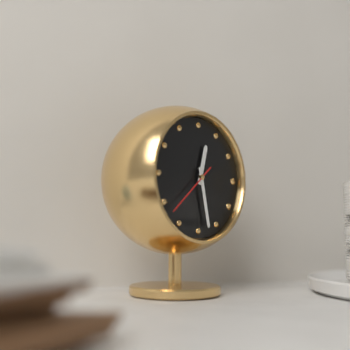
12:28:38
